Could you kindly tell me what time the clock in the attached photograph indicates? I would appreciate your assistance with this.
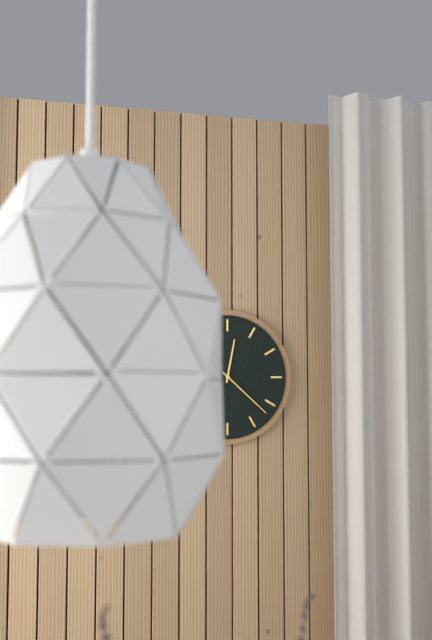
12:22
